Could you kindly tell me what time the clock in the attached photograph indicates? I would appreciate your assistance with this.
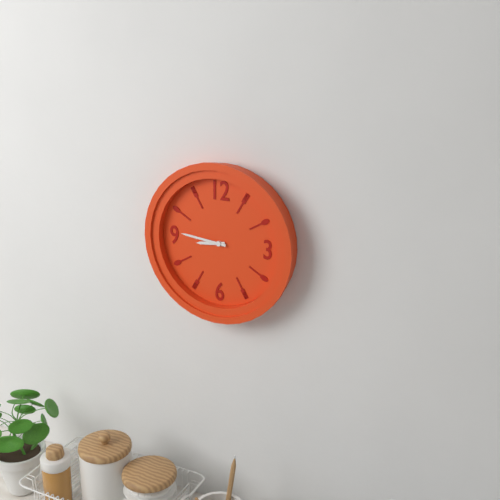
8:46
